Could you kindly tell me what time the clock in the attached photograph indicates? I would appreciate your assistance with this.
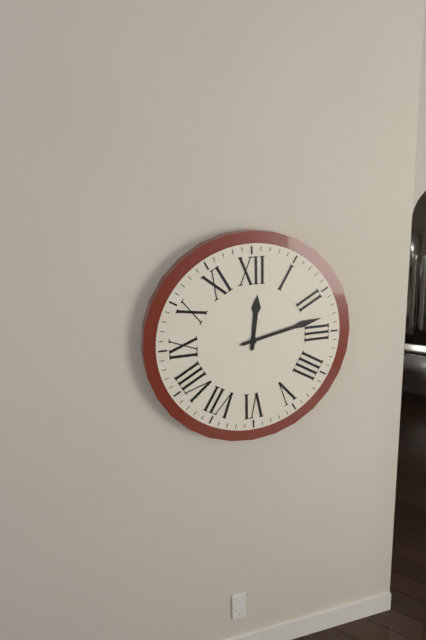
12:13
